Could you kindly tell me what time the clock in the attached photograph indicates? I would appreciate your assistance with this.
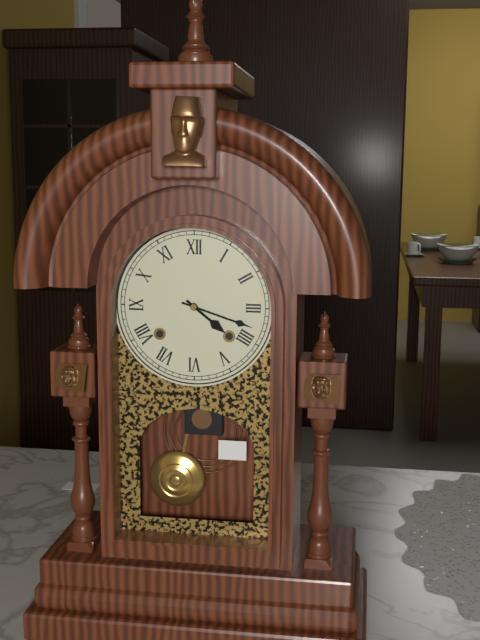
4:18
